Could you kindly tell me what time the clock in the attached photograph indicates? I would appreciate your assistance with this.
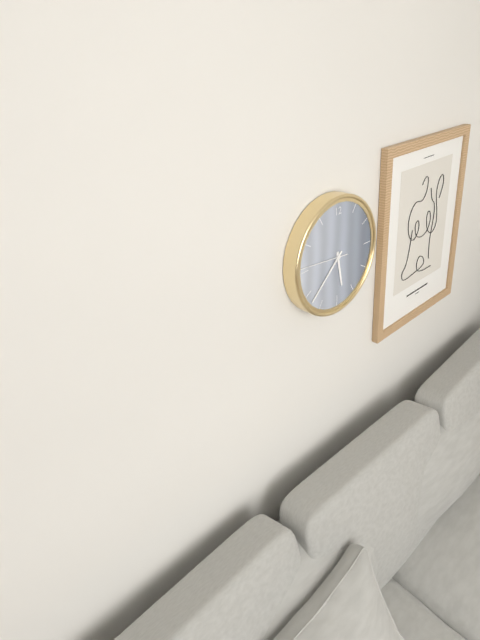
5:38
